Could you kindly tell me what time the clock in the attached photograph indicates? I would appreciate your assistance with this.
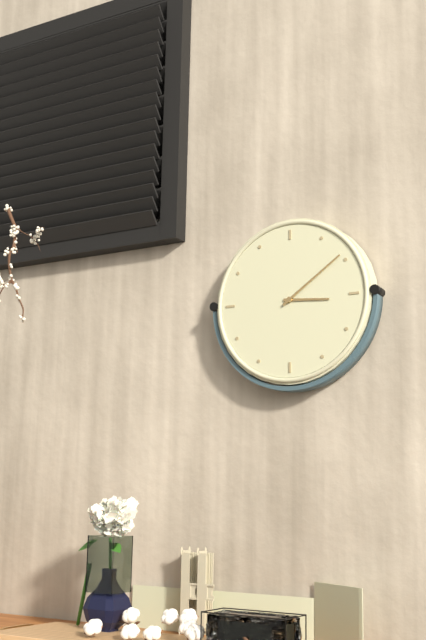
3:09
